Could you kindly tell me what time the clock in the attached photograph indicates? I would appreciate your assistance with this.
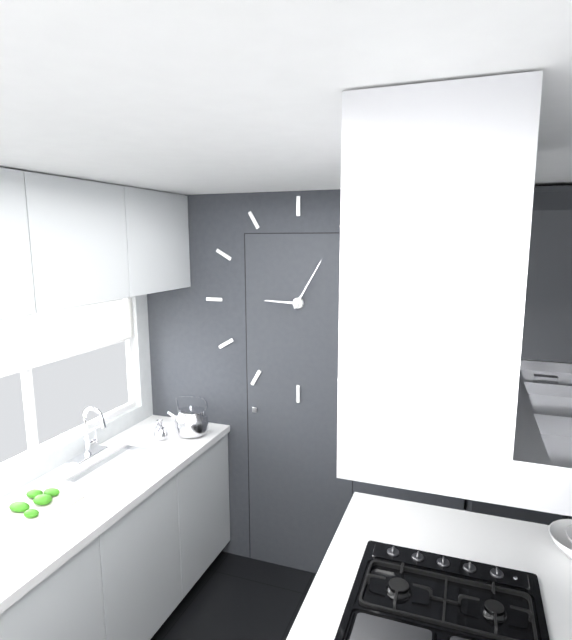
9:05
